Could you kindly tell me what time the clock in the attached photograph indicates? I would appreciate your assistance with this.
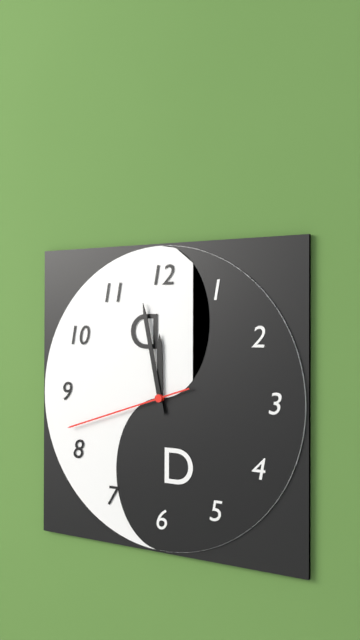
11:58:42
